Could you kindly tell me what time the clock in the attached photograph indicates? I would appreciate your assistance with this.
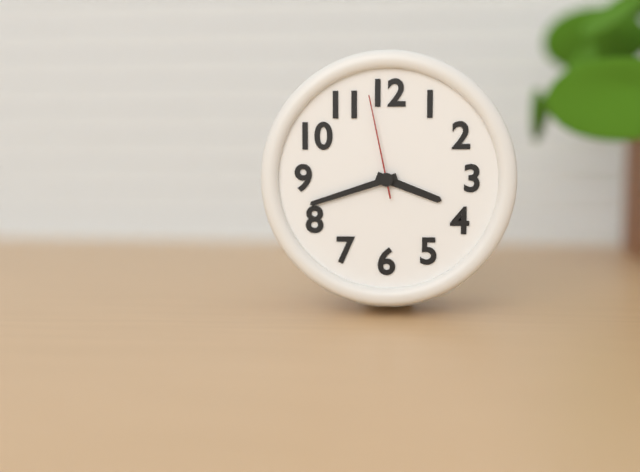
3:42:58
